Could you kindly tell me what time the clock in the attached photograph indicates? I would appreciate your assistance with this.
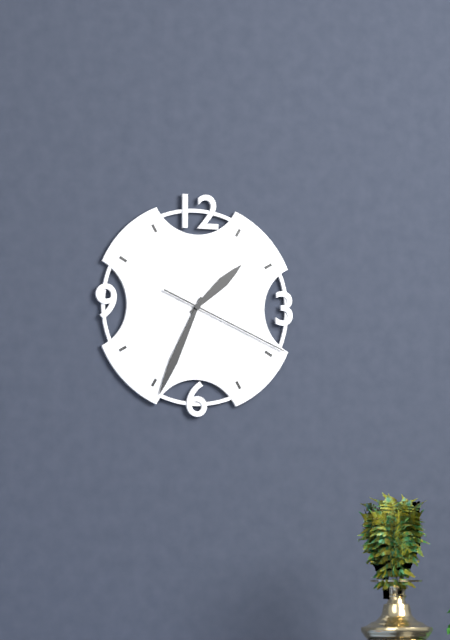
1:34:19
